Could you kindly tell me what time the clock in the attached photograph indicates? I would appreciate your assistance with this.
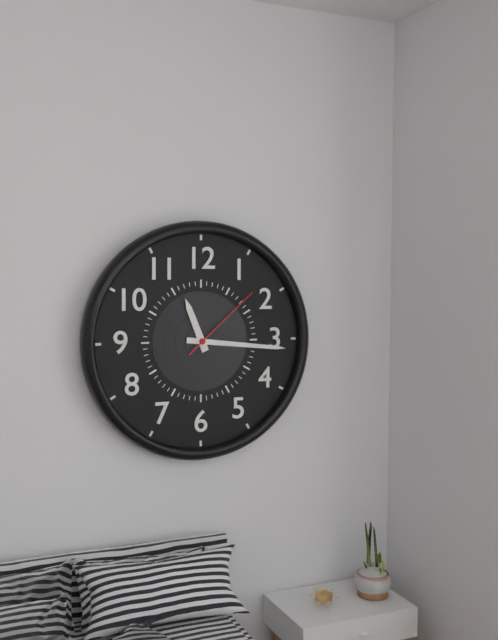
11:16:08
